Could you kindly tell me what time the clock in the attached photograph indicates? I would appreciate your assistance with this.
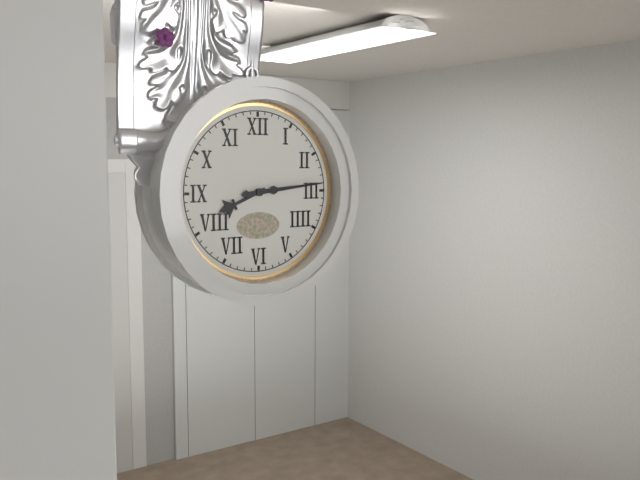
8:14
